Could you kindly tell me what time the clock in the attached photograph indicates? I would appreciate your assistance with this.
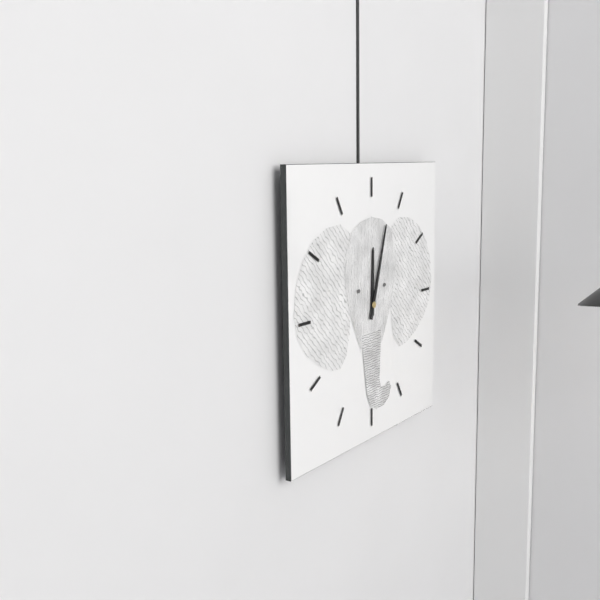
12:03
